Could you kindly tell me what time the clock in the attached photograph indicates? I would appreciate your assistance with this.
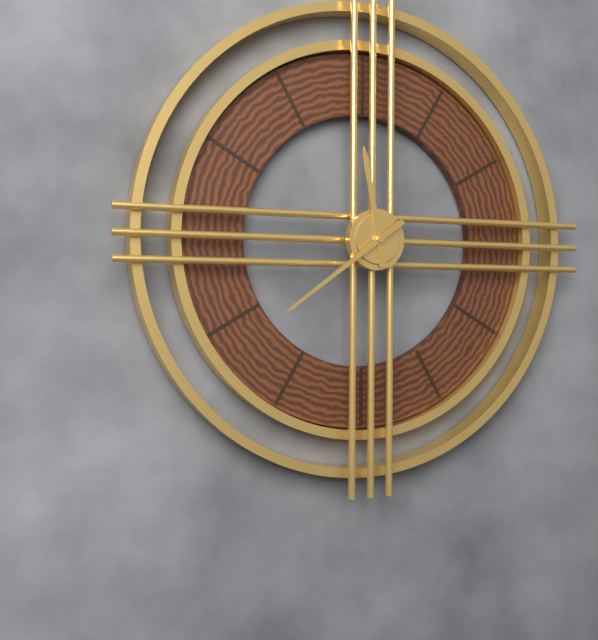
11:39
